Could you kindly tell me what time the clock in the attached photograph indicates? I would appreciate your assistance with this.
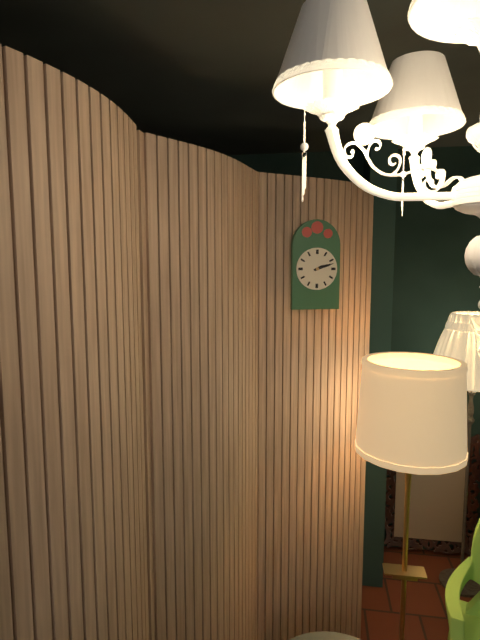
2:12
